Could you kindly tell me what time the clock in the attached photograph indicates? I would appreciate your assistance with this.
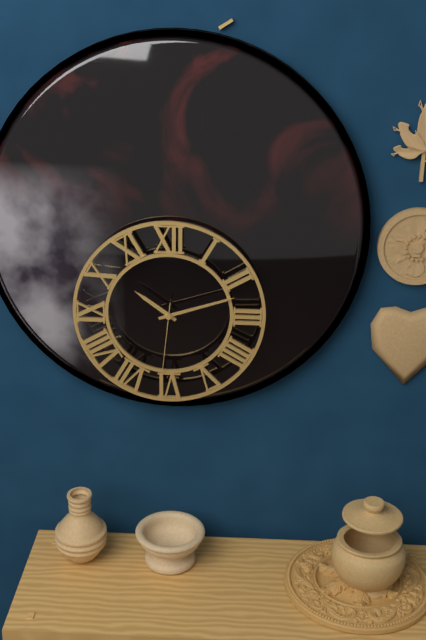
10:12:31
